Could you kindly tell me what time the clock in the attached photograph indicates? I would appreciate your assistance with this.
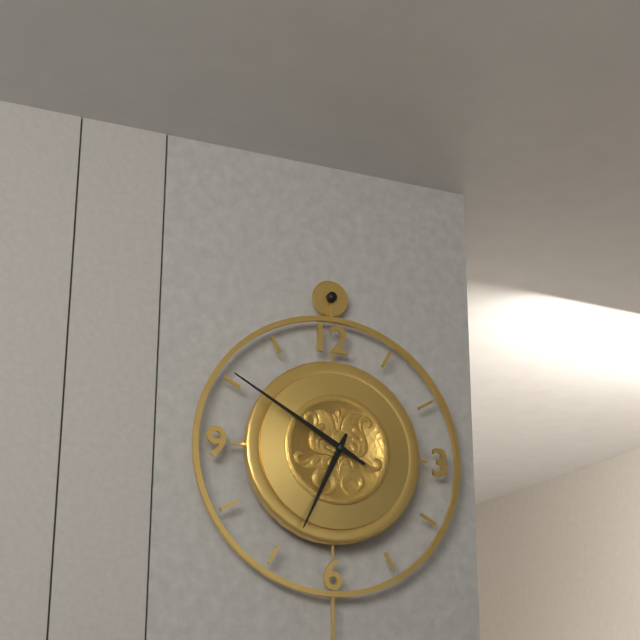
6:50
